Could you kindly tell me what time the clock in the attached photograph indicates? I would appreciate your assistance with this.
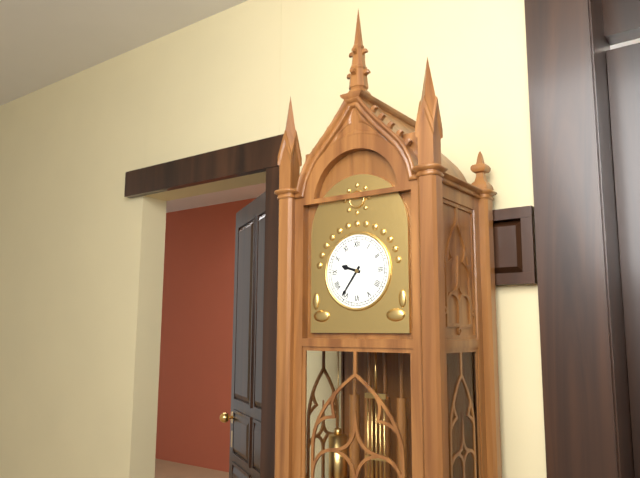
9:36
